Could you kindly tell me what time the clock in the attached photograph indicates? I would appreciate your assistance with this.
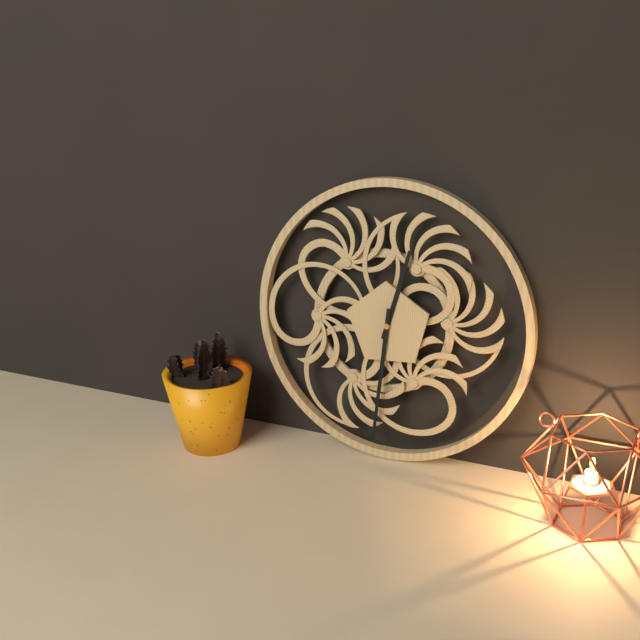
12:31
